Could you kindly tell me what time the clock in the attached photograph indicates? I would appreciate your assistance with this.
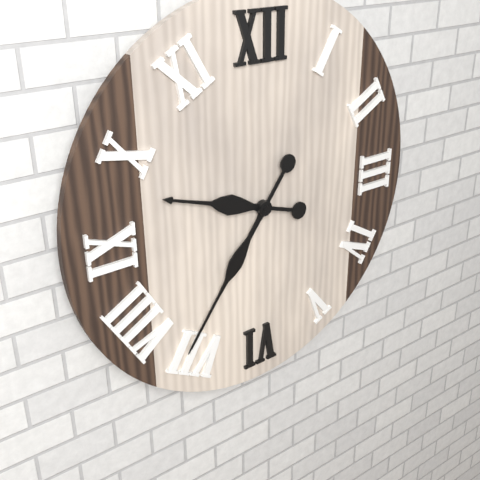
9:36
